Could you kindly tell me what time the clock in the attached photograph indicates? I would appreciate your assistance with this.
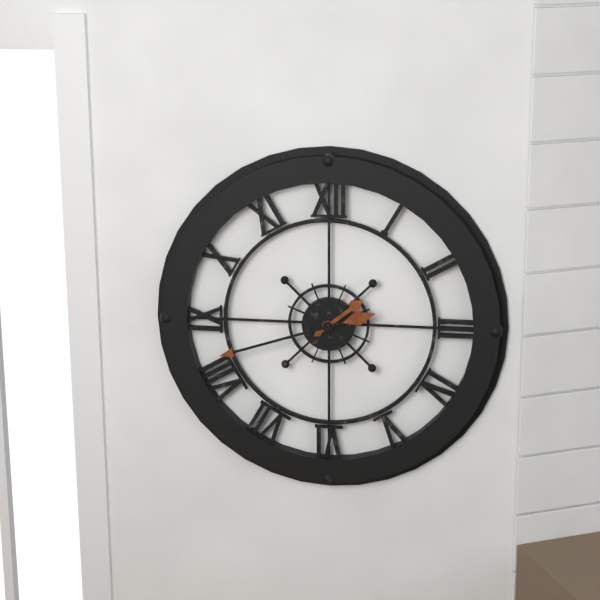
1:42
